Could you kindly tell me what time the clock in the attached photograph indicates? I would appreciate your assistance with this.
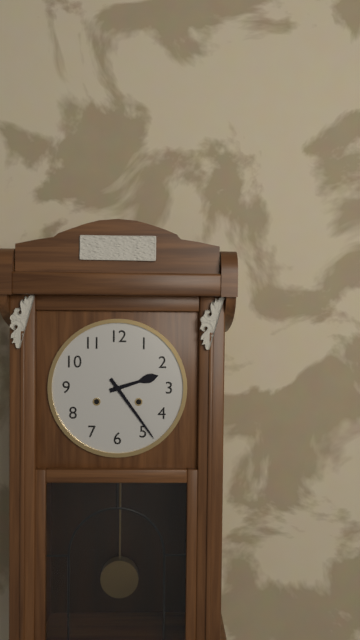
2:24
